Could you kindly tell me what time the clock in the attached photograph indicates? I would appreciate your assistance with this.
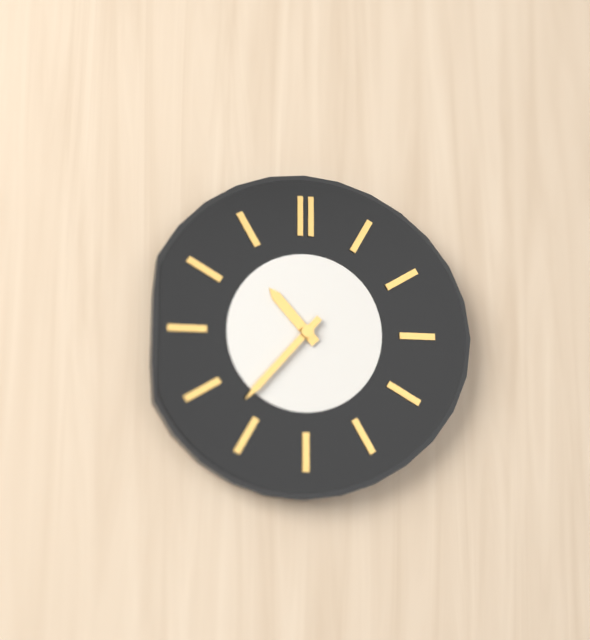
10:37
